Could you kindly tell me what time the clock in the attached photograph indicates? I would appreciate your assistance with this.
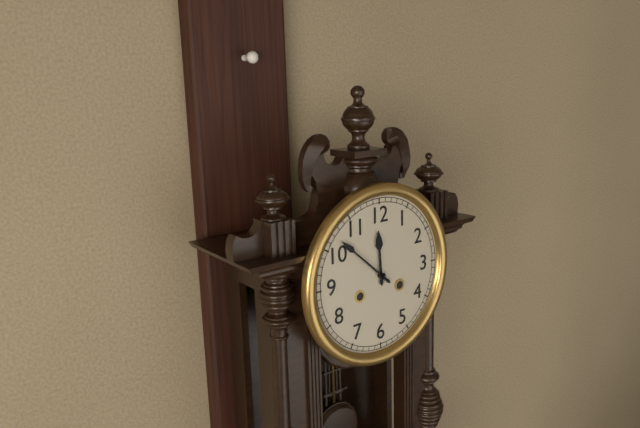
11:52
